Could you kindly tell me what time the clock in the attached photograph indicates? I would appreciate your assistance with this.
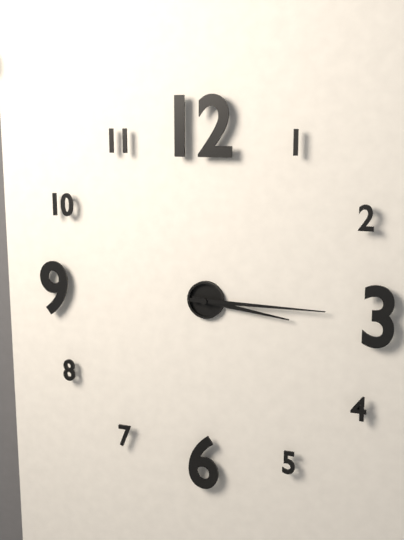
3:15
